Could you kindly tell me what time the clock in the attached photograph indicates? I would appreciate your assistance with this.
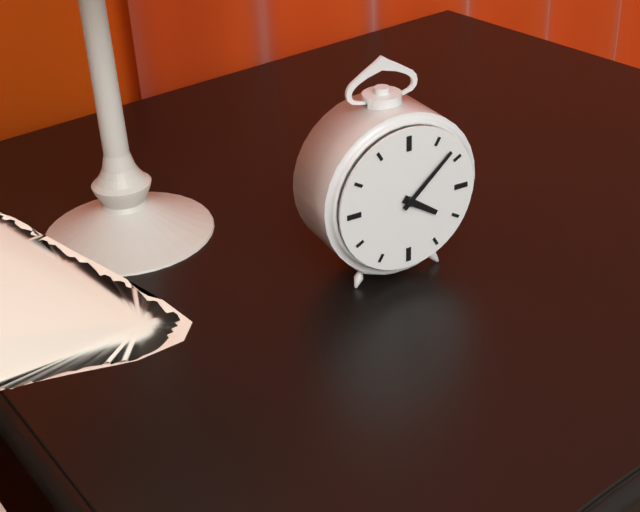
4:08
